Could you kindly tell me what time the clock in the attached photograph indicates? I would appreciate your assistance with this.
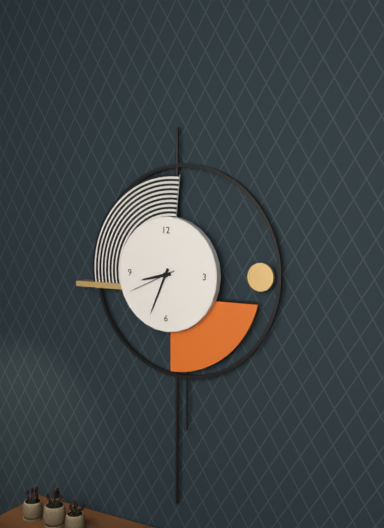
8:34
